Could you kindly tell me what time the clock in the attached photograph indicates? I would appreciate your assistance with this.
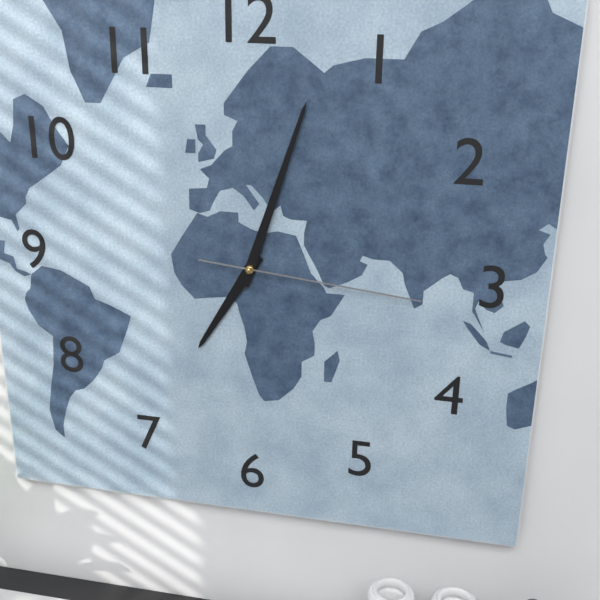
7:03:16
